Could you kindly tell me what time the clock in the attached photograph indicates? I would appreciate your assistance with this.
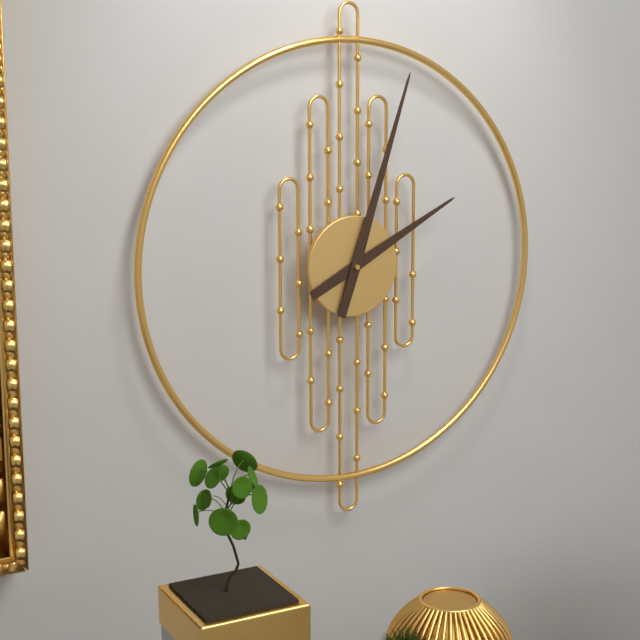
2:03
